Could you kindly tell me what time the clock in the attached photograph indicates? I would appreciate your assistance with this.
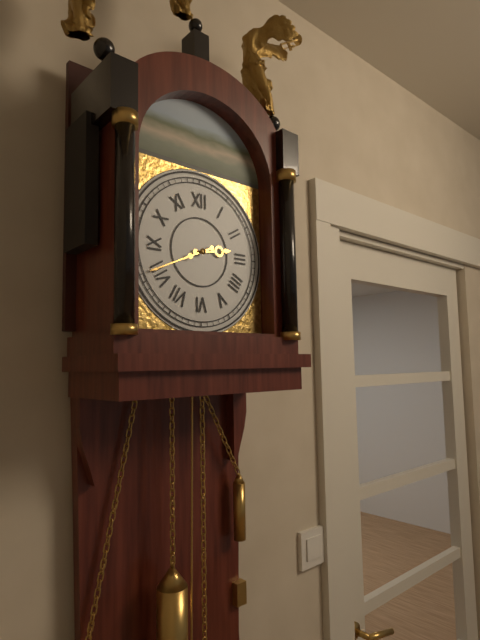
2:41
